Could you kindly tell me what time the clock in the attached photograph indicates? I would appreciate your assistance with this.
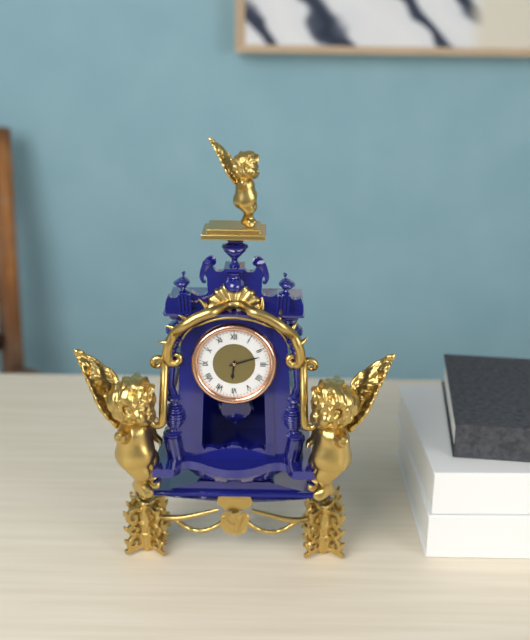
6:12
